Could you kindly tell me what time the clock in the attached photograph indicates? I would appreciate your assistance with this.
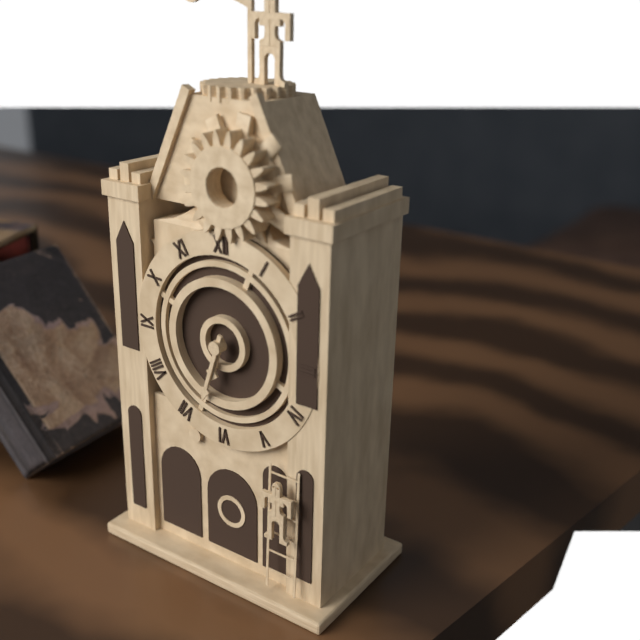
6:33
